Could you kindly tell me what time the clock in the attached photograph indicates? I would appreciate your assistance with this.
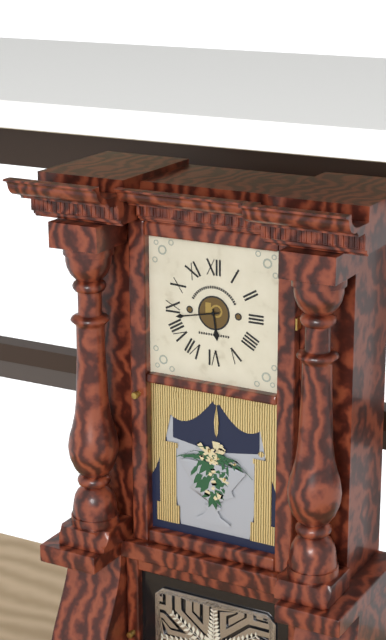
5:43
